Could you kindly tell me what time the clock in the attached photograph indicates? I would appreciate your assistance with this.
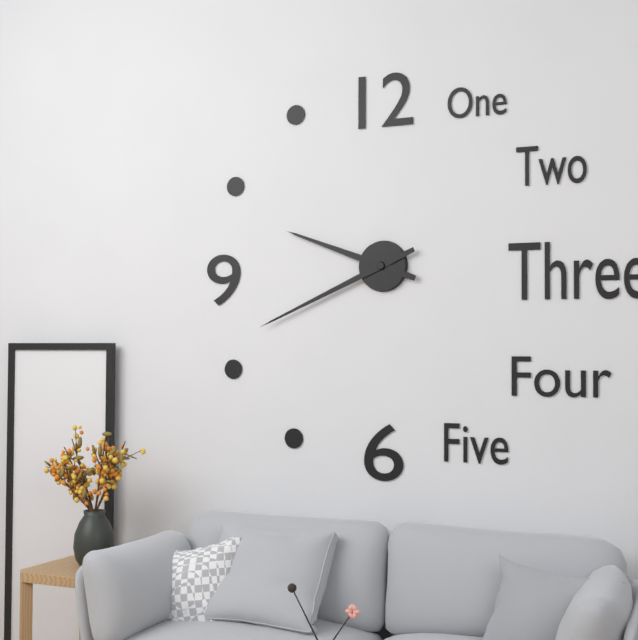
9:41
